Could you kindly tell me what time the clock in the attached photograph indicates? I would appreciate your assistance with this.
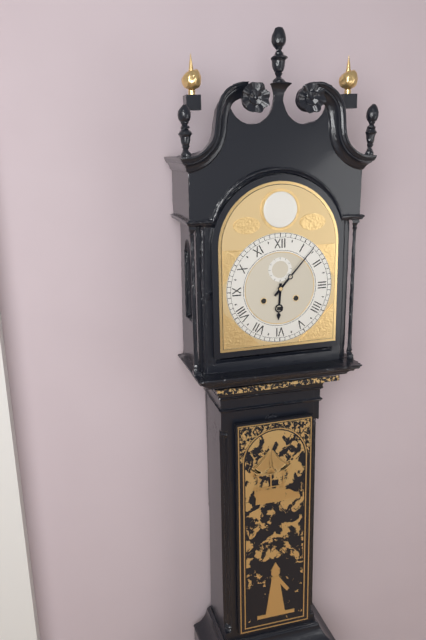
6:07
